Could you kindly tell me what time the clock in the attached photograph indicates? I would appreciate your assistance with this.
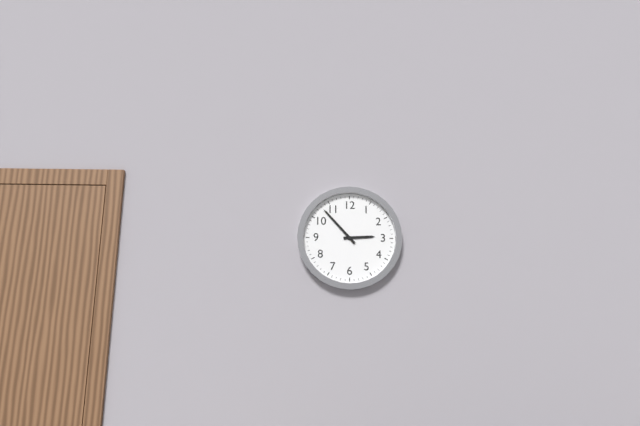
2:53
